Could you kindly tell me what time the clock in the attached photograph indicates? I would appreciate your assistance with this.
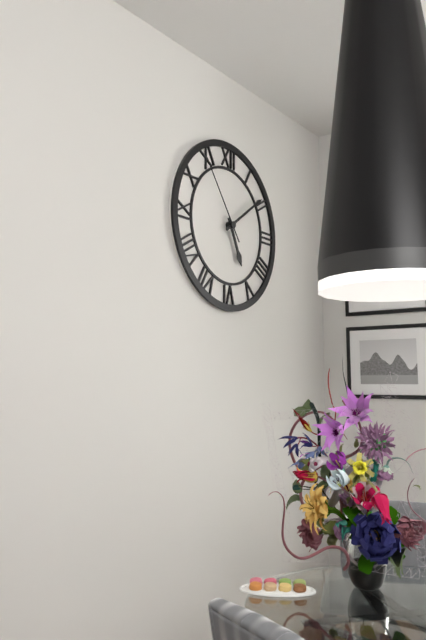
5:09:54
